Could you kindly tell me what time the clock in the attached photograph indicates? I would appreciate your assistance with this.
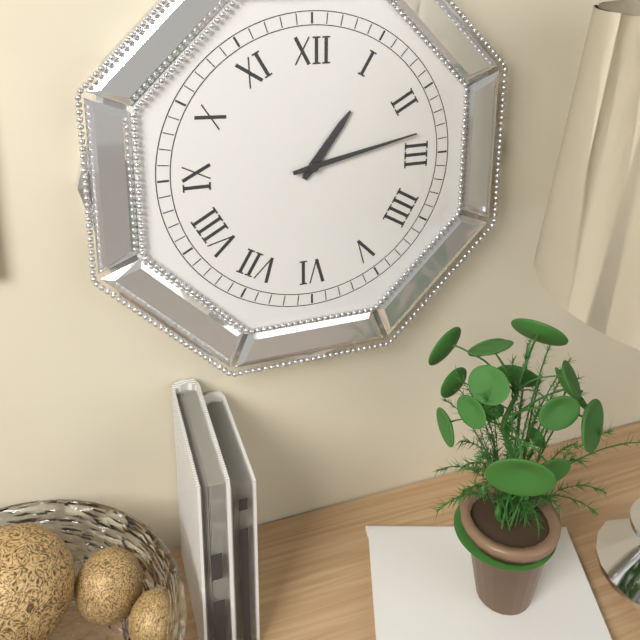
1:13
